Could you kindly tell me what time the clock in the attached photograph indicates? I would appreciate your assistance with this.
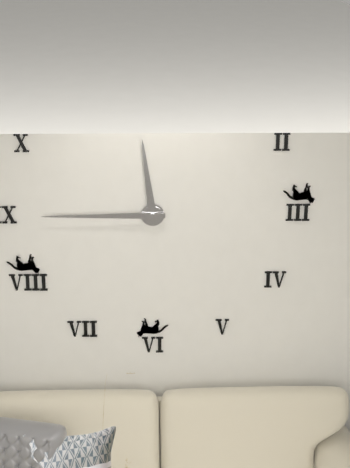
11:45
